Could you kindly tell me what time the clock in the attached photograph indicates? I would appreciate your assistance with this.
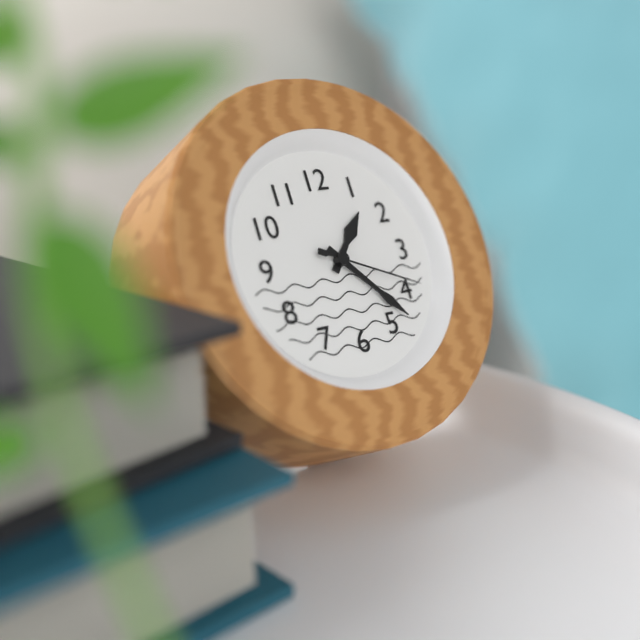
1:23:19
